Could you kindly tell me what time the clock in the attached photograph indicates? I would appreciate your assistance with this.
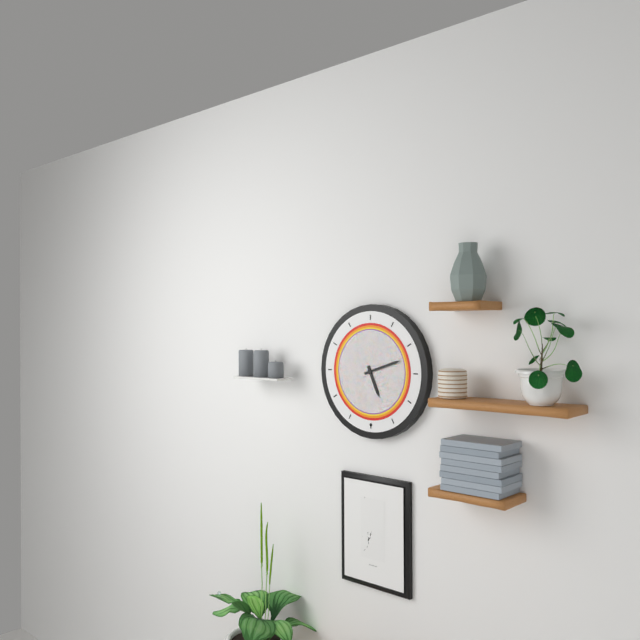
5:12
